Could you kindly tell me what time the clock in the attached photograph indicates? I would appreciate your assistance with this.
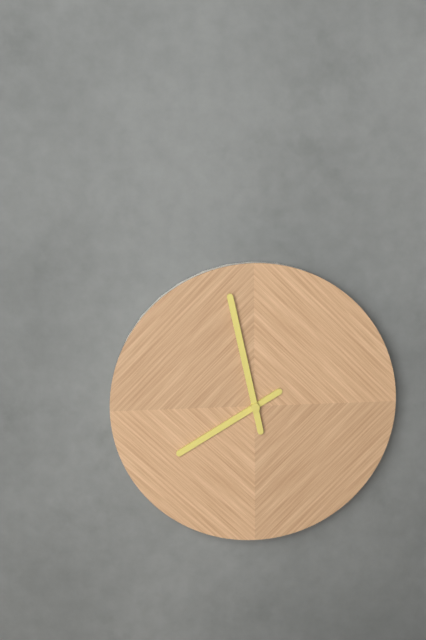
7:58
